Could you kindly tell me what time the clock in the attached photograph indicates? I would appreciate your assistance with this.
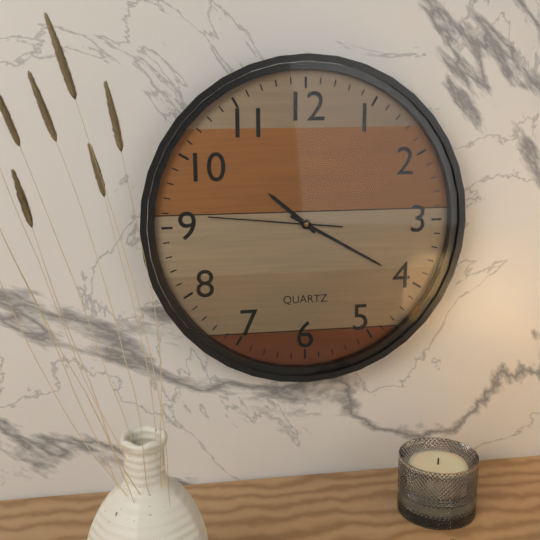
10:20:46
